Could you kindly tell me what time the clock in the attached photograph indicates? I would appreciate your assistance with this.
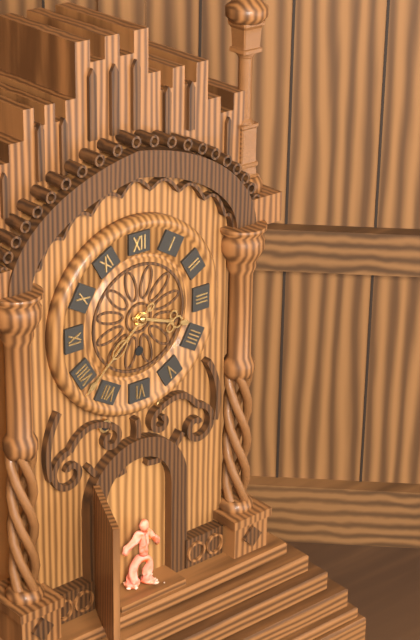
3:38
